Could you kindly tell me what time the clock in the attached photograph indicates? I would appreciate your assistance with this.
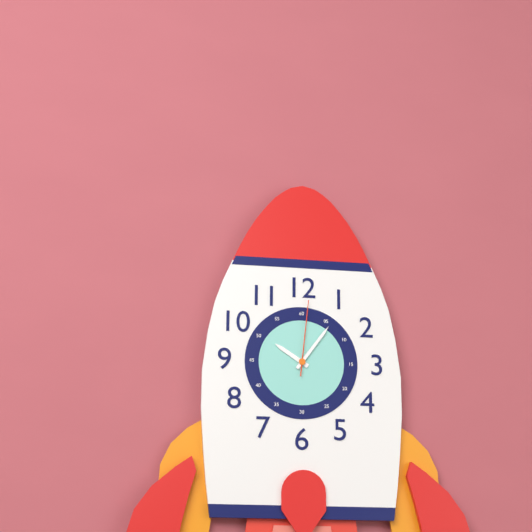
10:06:01
